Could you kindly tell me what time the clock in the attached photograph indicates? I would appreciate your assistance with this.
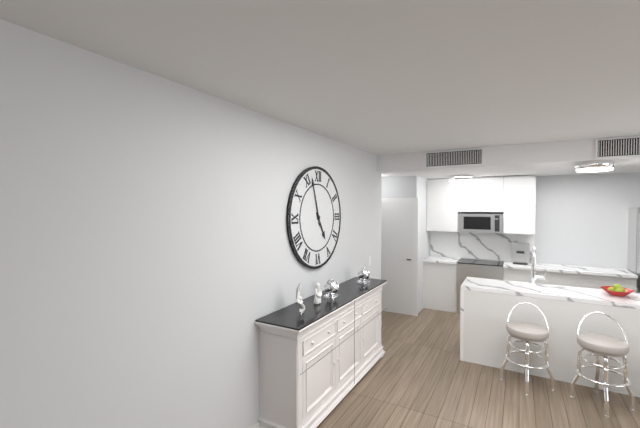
4:57
